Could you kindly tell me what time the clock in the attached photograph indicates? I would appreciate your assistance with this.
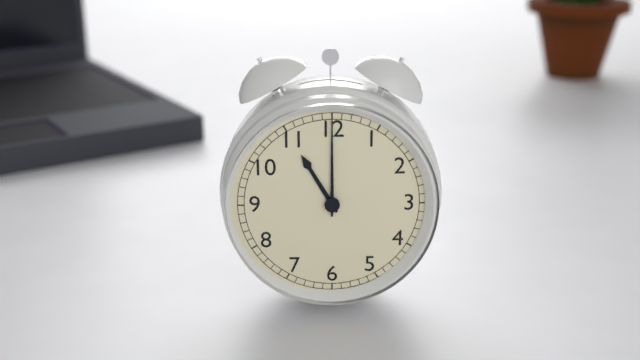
11:00
